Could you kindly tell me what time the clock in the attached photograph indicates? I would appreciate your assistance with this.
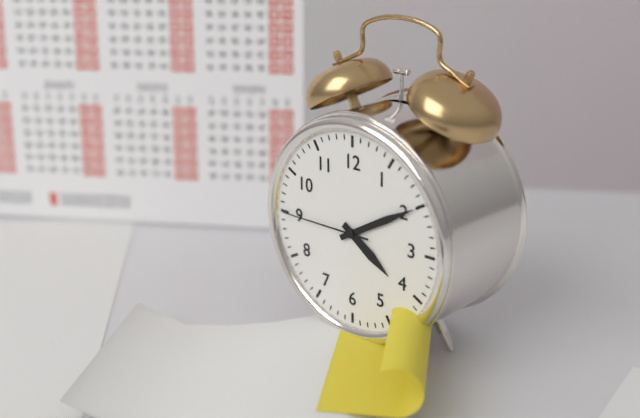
4:10:45
